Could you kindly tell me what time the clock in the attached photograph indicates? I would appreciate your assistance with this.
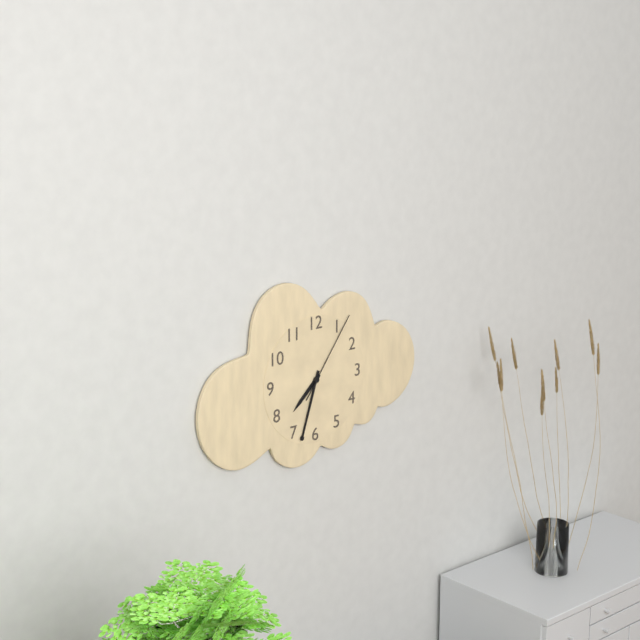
7:33:06
